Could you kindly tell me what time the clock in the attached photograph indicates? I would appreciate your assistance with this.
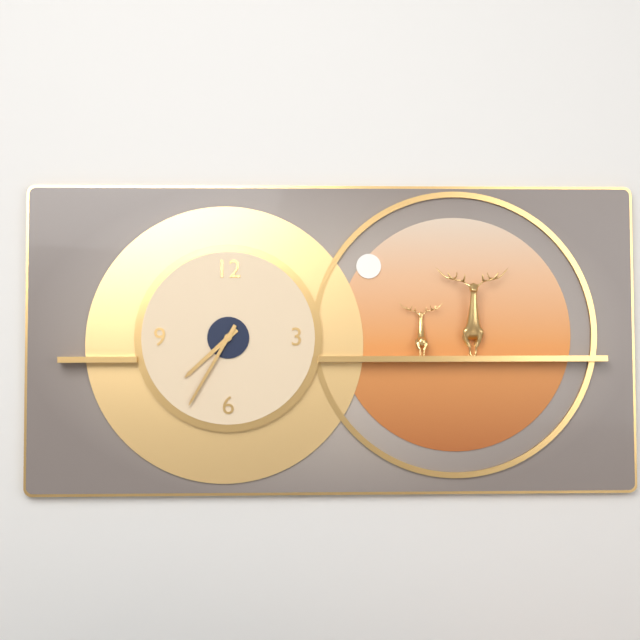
7:35
